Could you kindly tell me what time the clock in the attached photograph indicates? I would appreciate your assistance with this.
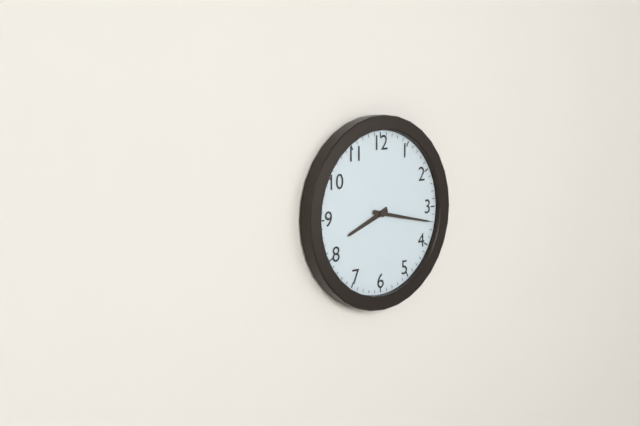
8:17
